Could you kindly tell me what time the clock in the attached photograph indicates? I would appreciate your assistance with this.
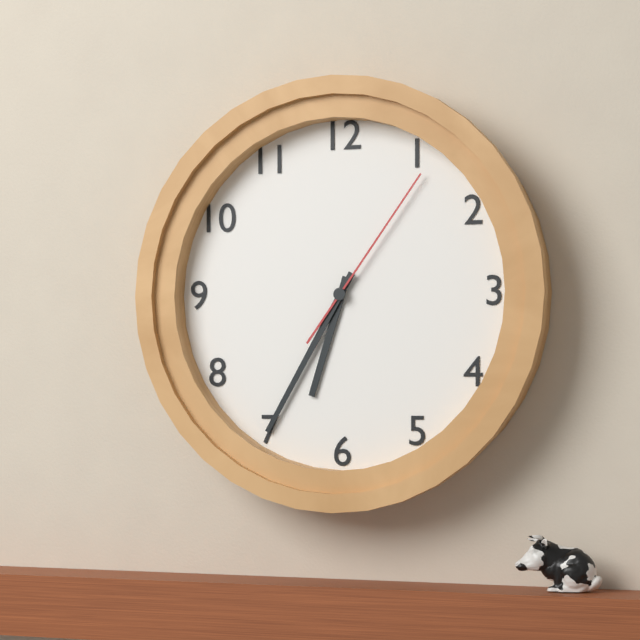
6:35:06
